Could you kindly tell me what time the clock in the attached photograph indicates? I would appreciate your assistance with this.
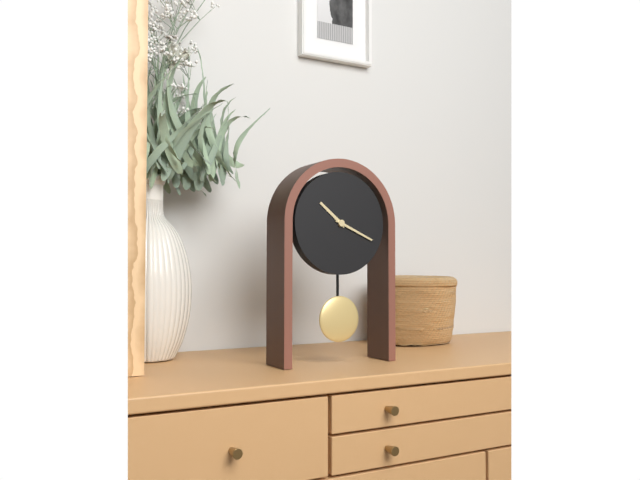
10:19
